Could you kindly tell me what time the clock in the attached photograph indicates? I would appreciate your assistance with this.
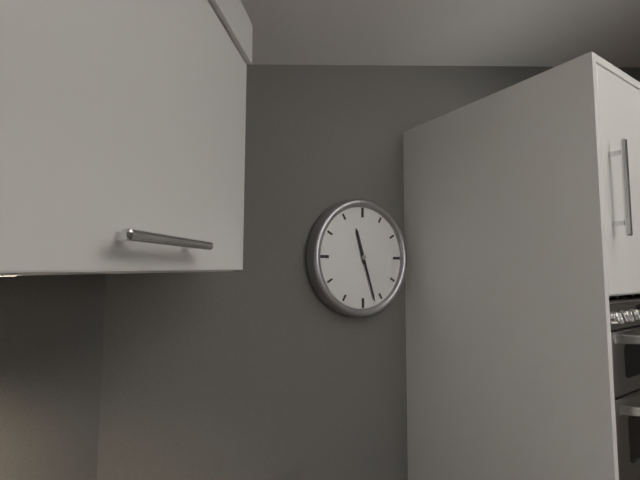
11:27
